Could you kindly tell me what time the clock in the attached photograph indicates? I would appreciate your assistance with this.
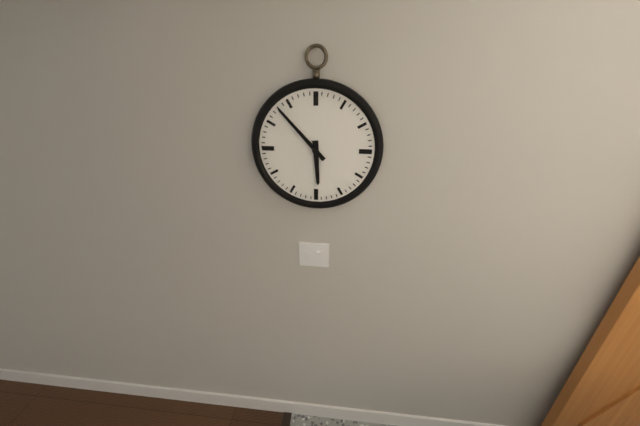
5:53
